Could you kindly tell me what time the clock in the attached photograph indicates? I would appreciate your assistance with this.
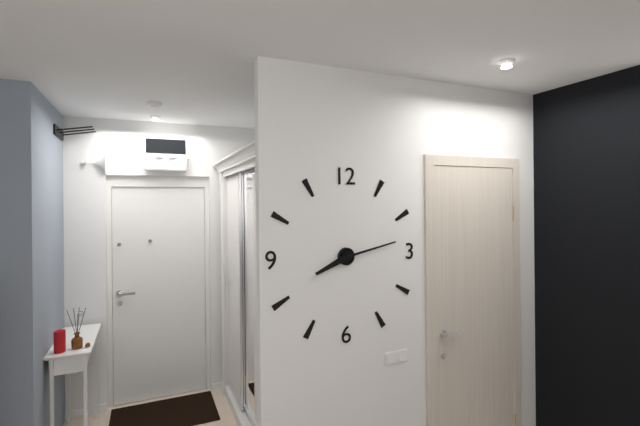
8:13
